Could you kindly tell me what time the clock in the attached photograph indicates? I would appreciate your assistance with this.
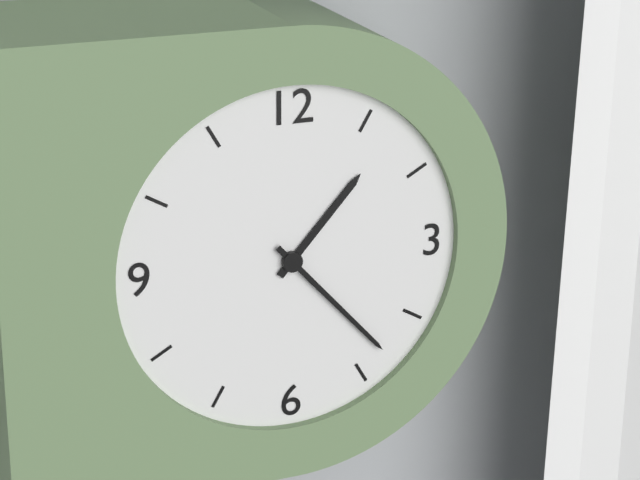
1:23
